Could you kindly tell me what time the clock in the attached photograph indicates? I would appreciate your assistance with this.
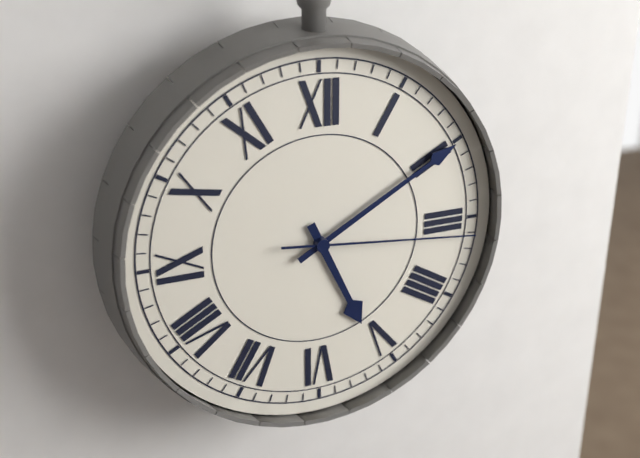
5:10:16
